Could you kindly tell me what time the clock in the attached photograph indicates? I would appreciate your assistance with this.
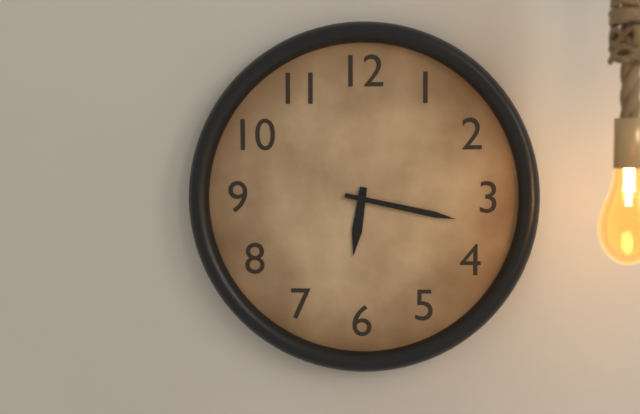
6:17
